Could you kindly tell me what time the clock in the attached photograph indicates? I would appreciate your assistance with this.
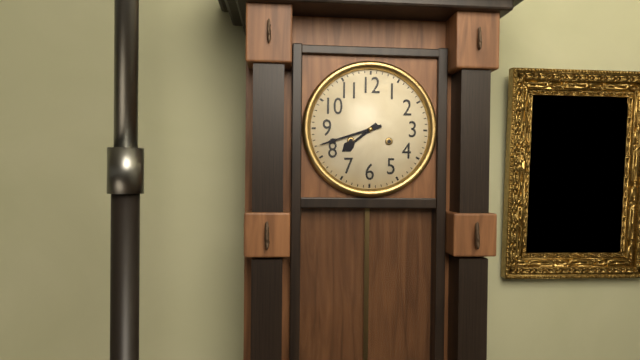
7:42
